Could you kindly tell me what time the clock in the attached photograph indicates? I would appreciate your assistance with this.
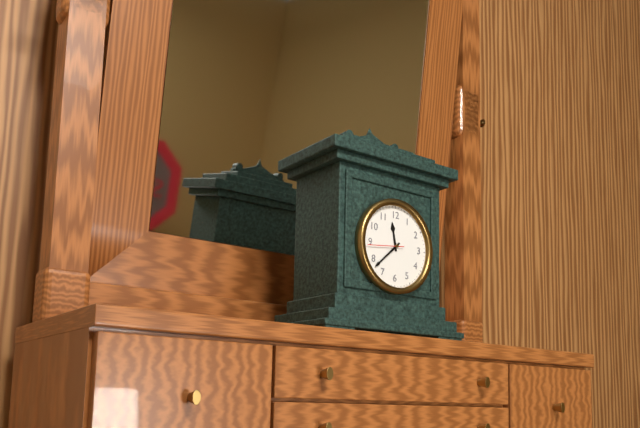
11:38
